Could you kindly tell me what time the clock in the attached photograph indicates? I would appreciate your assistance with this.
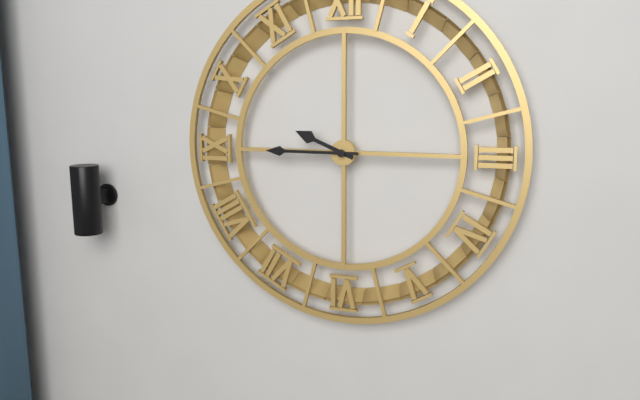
9:45
